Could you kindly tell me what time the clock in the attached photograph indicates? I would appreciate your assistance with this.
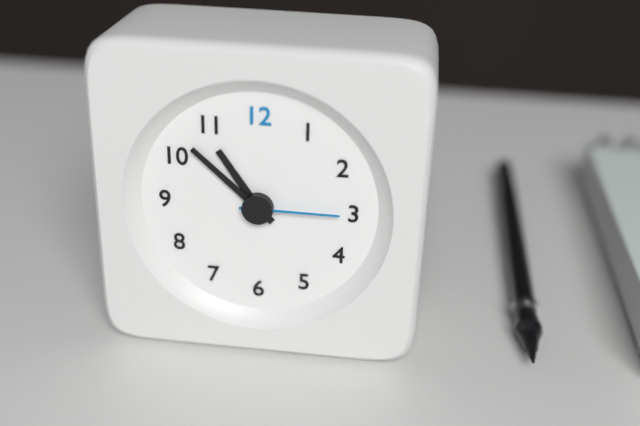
10:52:15
